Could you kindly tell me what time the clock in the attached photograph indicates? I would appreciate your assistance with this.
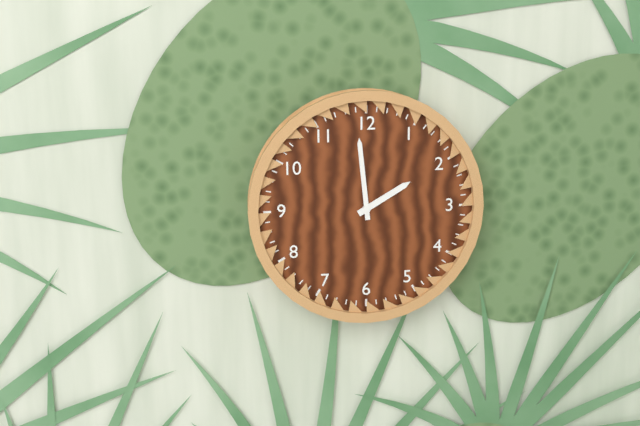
1:59
